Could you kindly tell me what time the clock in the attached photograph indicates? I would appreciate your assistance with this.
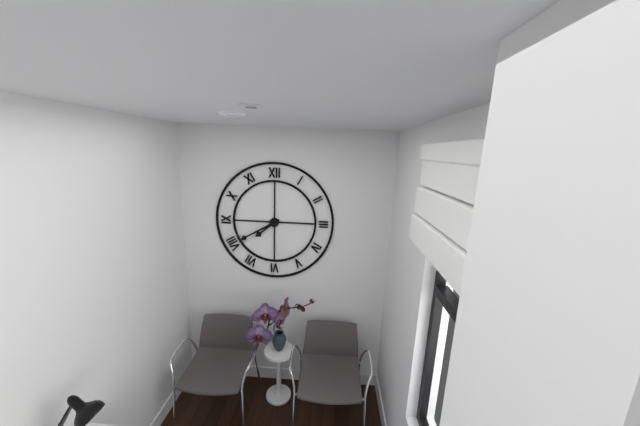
7:40
